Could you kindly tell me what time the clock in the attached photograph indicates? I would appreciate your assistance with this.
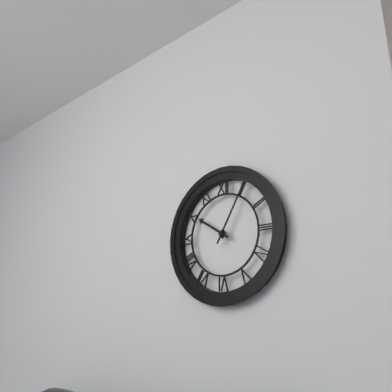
10:05
